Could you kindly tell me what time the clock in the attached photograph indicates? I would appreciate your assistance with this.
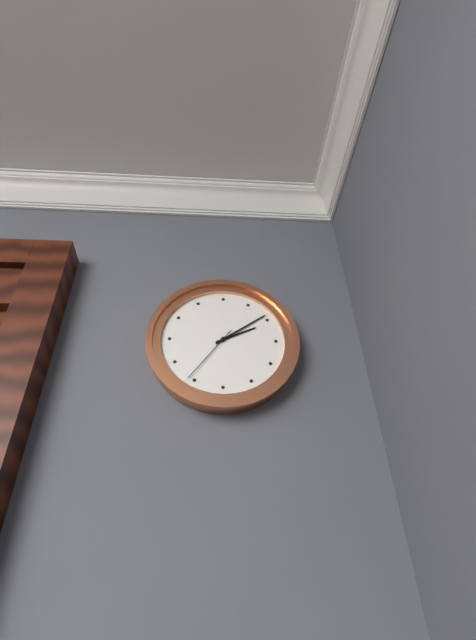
2:09:36
